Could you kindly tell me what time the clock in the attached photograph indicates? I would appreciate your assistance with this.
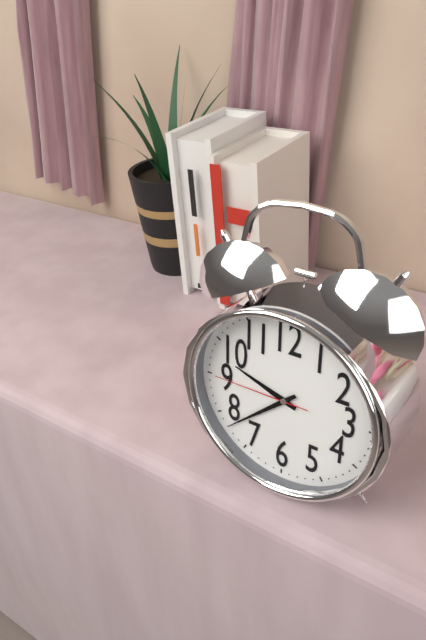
9:38:45
